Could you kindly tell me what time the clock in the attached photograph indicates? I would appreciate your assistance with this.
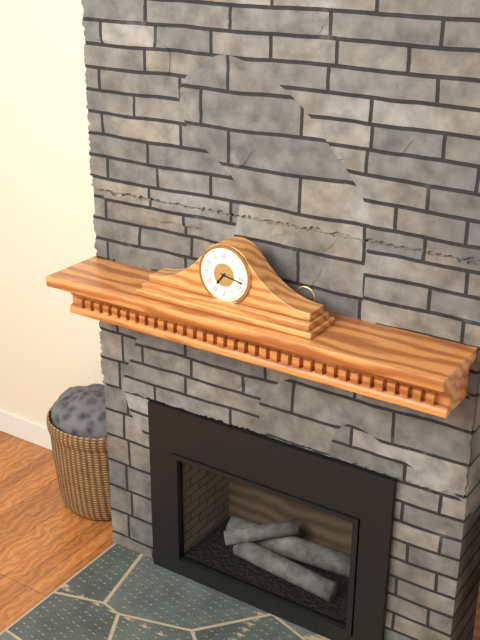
7:17
